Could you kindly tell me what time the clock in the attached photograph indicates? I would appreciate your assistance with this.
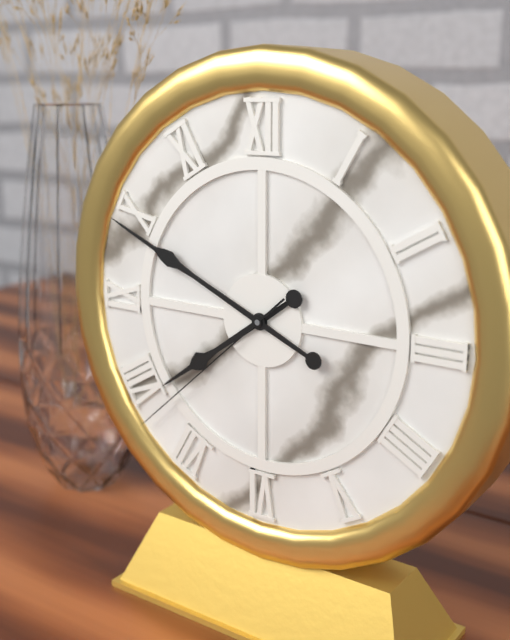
7:49:38
